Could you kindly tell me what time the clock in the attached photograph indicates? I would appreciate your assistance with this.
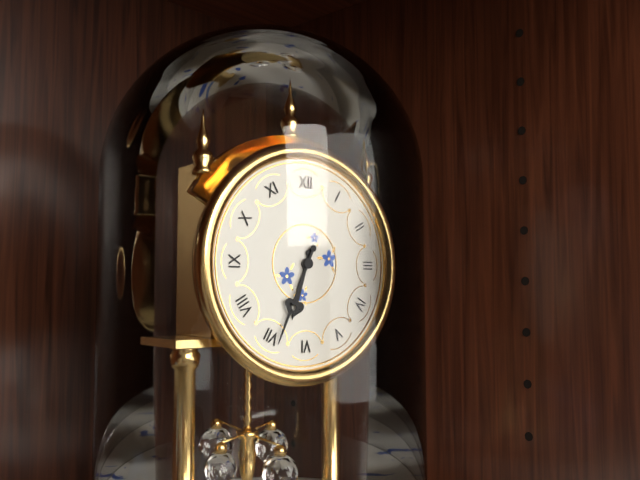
6:34
